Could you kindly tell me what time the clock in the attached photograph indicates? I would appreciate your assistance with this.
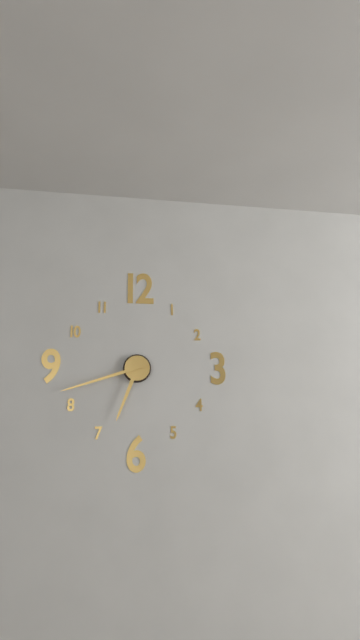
6:42
